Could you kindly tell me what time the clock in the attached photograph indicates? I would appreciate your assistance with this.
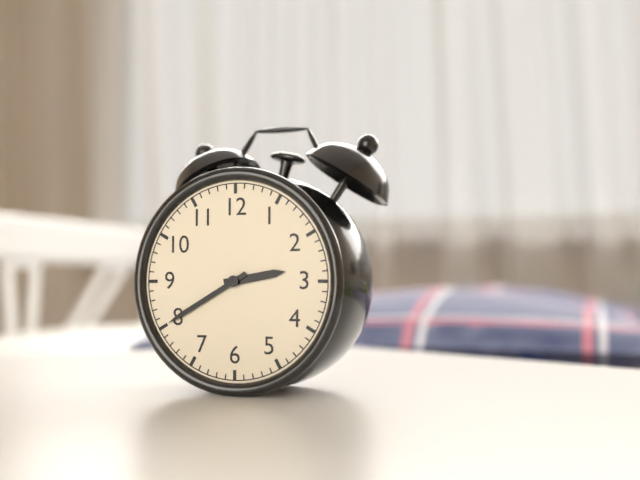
2:40
